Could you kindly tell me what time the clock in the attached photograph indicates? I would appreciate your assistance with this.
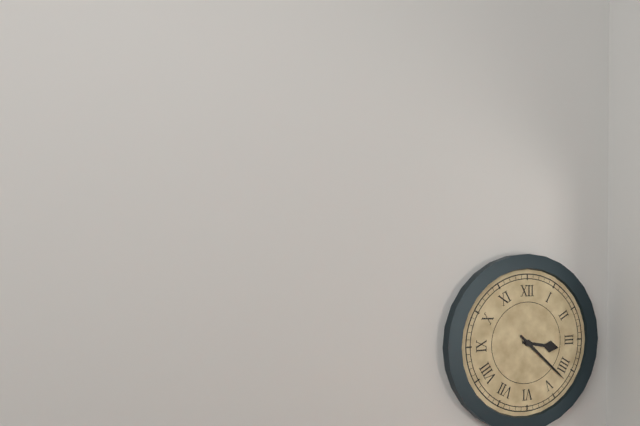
3:22
